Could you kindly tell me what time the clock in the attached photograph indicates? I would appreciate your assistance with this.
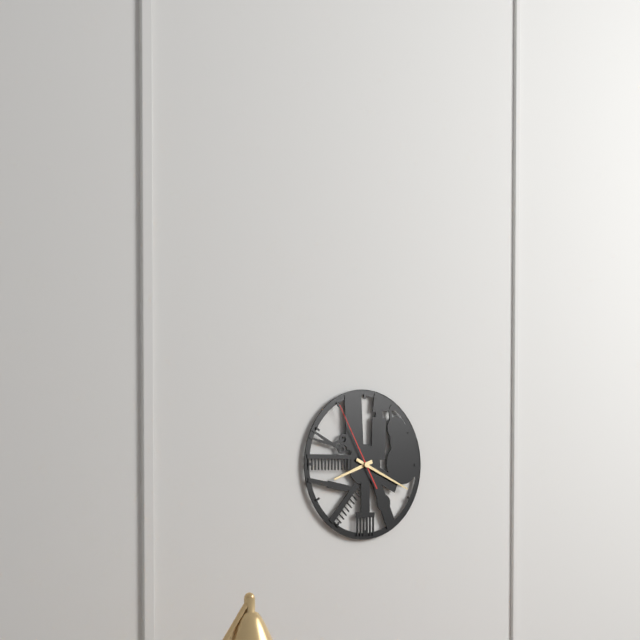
8:19:55
